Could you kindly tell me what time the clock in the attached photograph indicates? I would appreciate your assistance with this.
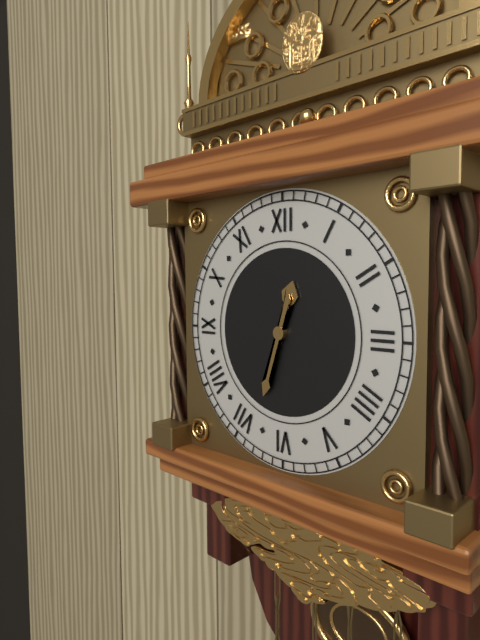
12:33
